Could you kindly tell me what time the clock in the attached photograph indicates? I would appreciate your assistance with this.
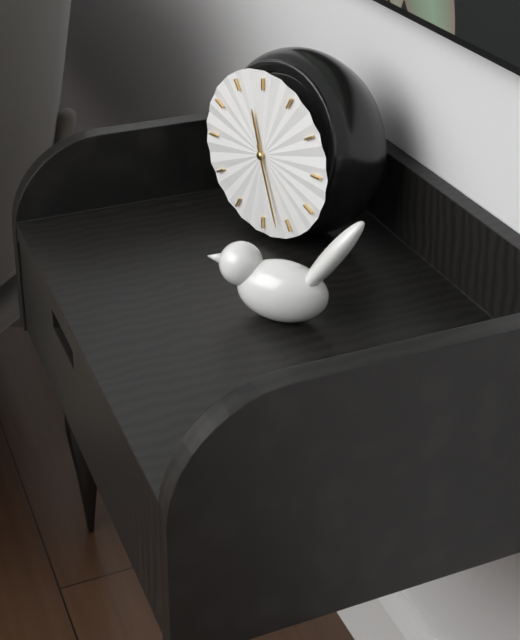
11:27
